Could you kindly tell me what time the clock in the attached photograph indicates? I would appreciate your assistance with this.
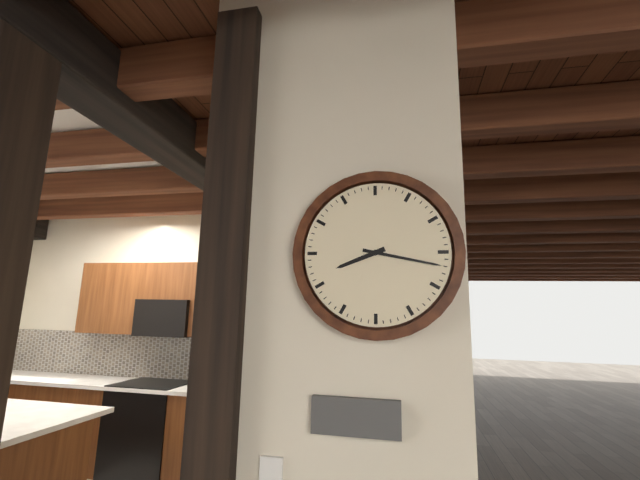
8:17
